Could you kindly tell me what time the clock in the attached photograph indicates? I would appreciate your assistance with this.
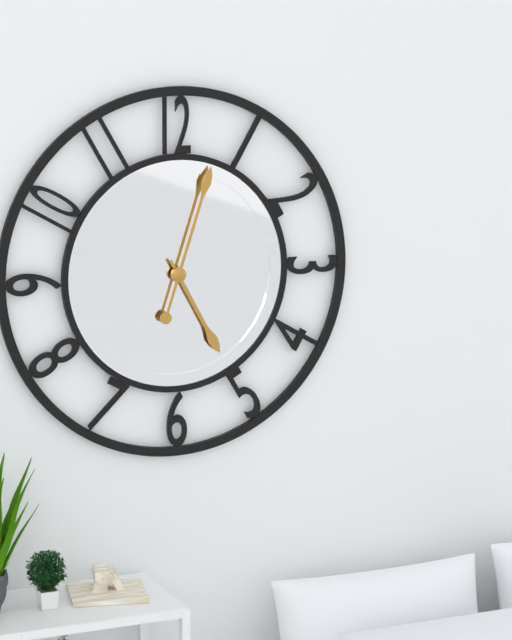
5:03
